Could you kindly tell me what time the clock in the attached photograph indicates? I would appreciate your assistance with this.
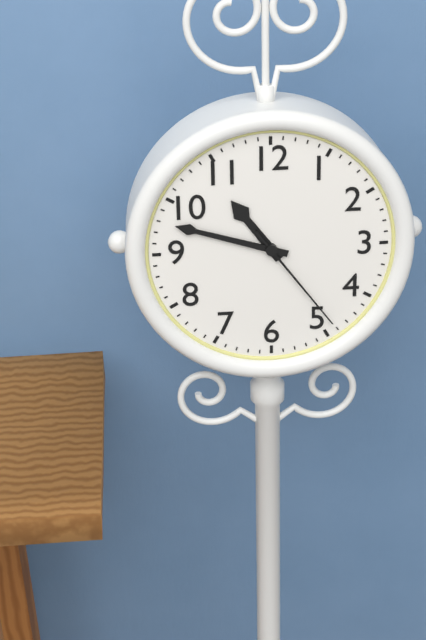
10:48:24
